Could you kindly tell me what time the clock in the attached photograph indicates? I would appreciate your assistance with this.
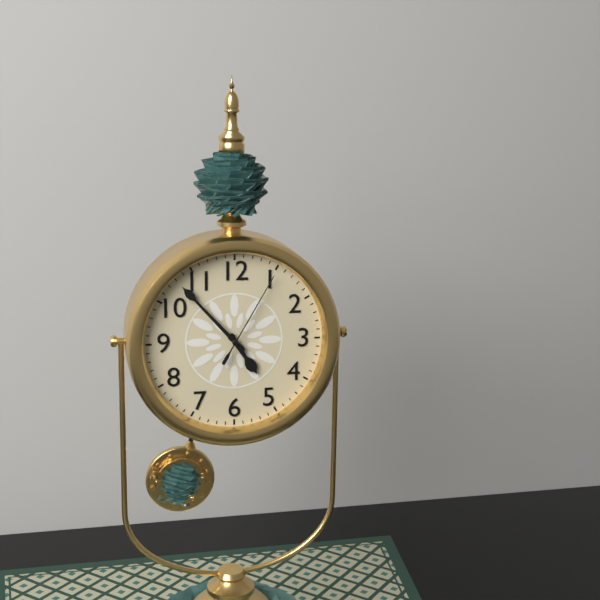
4:53:05
